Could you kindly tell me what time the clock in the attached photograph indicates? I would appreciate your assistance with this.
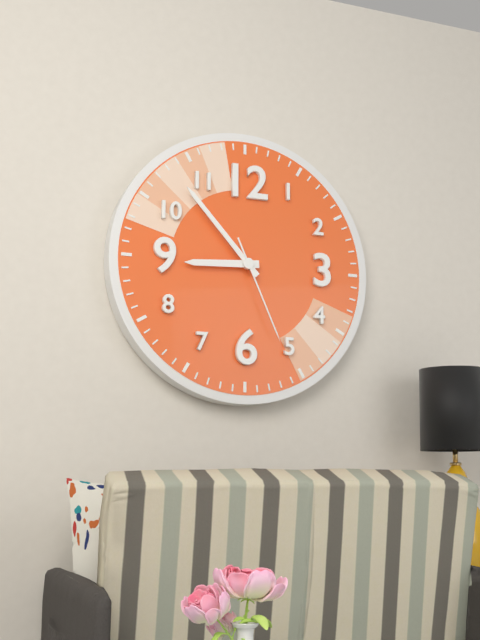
8:53:26
